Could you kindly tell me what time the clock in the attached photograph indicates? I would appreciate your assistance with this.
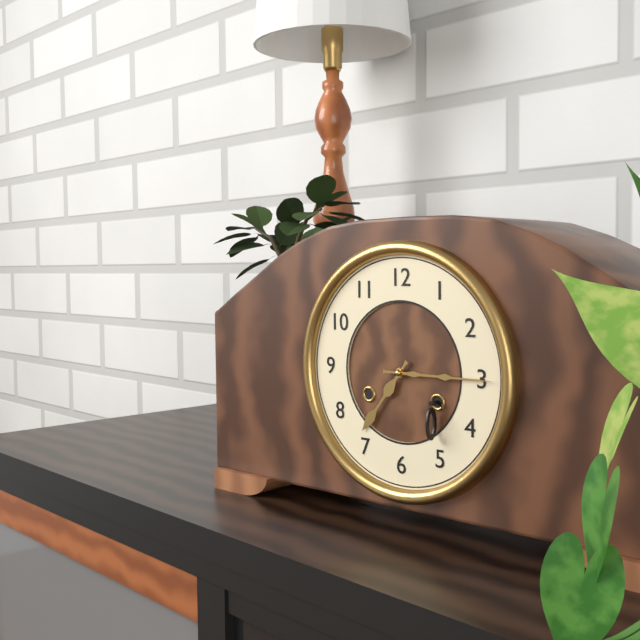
7:15
